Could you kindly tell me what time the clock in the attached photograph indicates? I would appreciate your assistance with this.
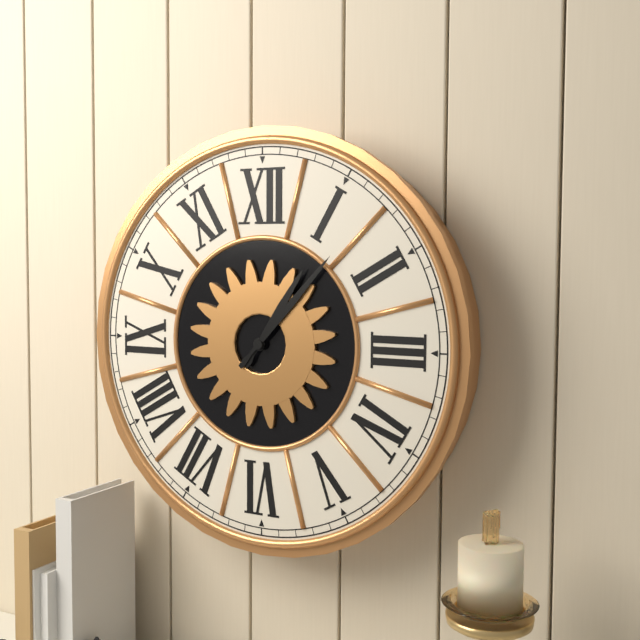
1:07
